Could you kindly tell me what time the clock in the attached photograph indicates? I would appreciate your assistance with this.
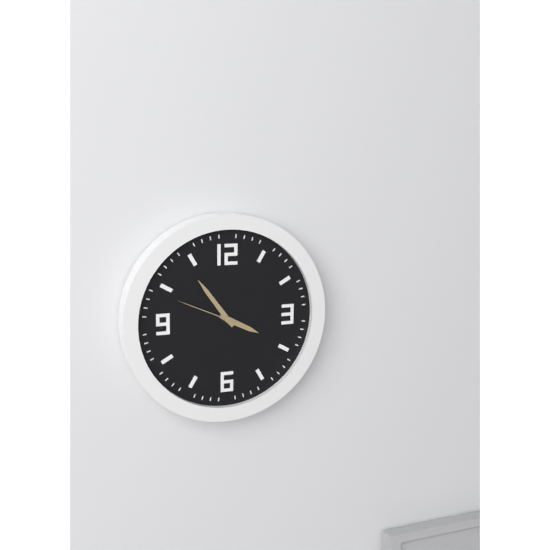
3:54:49
